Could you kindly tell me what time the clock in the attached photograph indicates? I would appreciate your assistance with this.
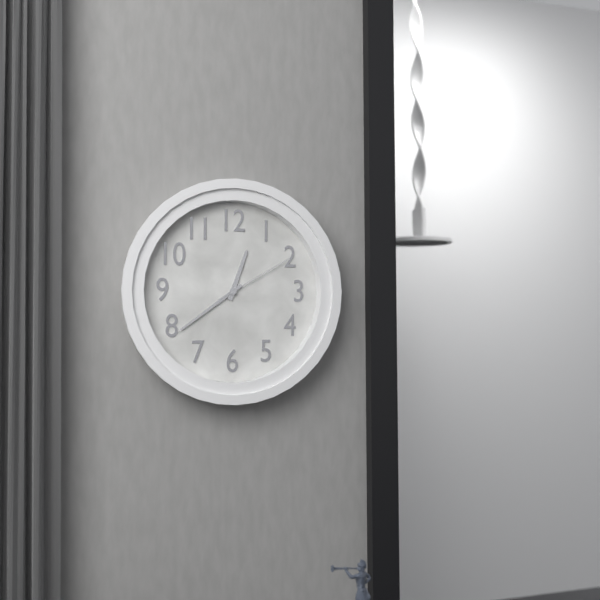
12:39:10
